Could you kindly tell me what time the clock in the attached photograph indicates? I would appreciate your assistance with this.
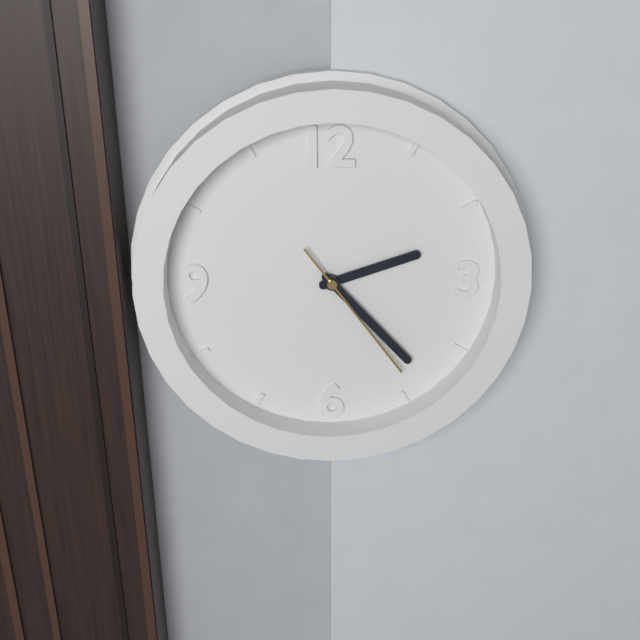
2:23:24
